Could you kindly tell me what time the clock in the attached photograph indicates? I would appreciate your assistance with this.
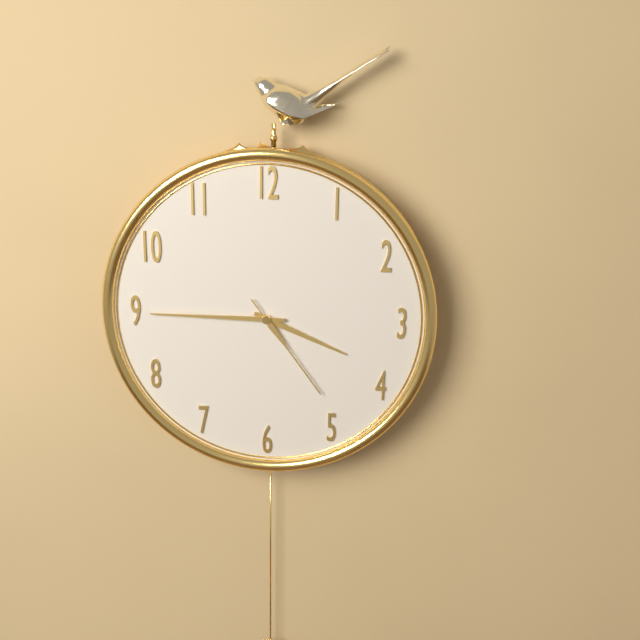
3:45:24
